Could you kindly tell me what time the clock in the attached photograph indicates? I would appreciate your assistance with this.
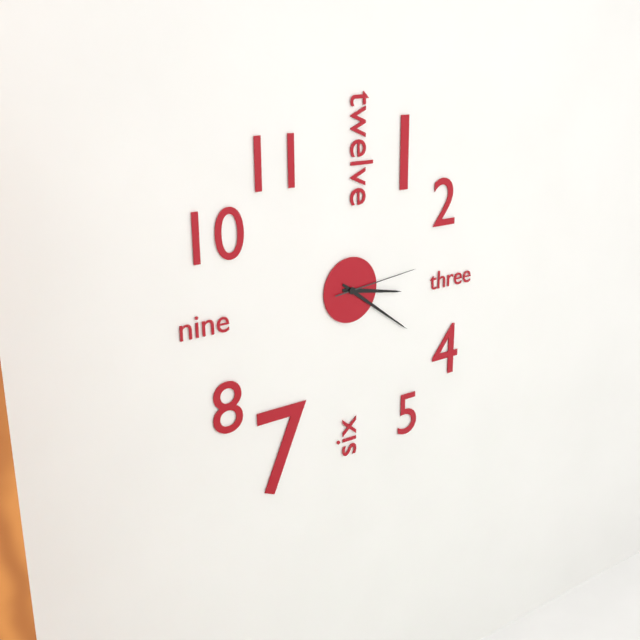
3:21:14
